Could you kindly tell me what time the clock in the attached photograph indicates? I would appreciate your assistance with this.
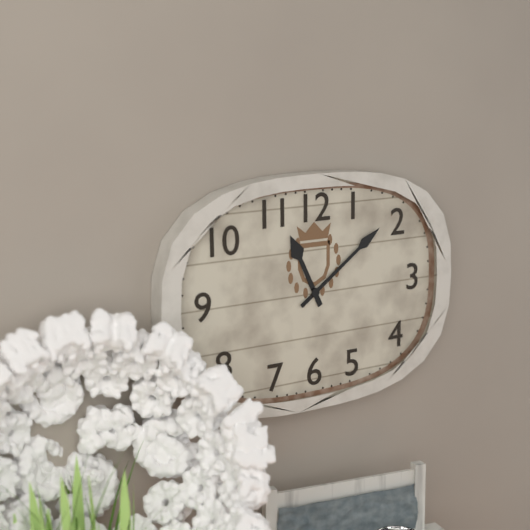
11:09
